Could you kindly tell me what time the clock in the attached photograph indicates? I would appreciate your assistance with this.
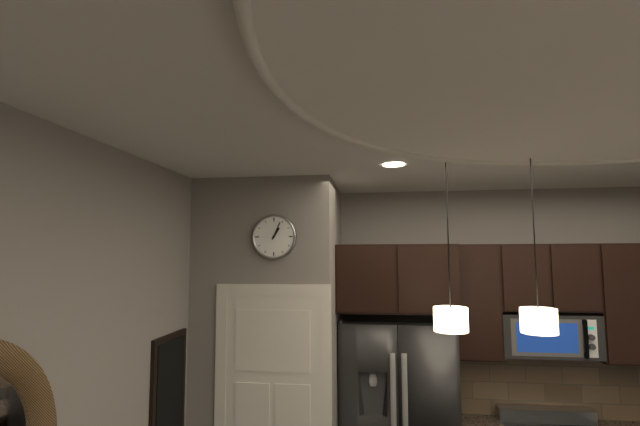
1:04
